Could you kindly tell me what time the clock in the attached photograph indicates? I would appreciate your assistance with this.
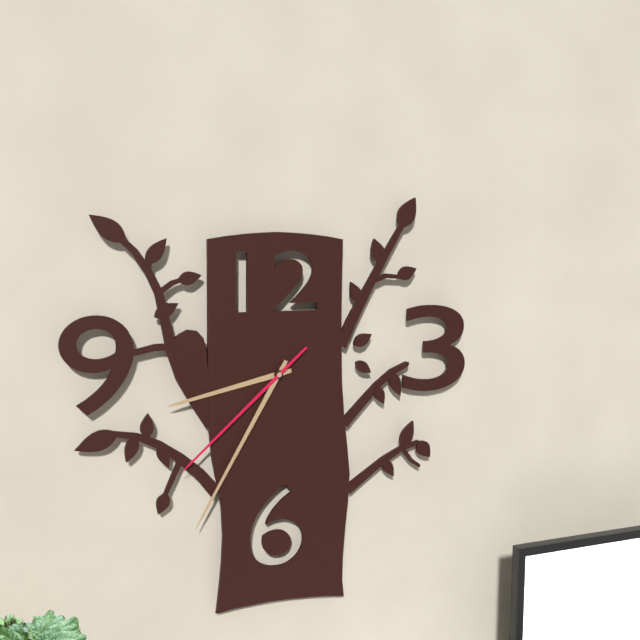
8:35:38
